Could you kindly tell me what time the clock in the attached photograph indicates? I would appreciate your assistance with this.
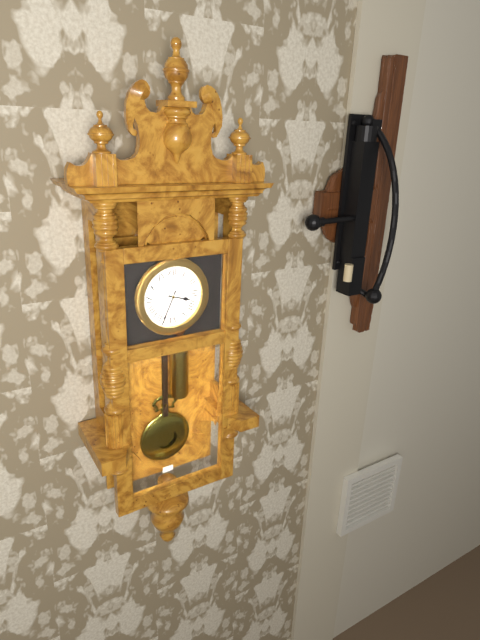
3:34
